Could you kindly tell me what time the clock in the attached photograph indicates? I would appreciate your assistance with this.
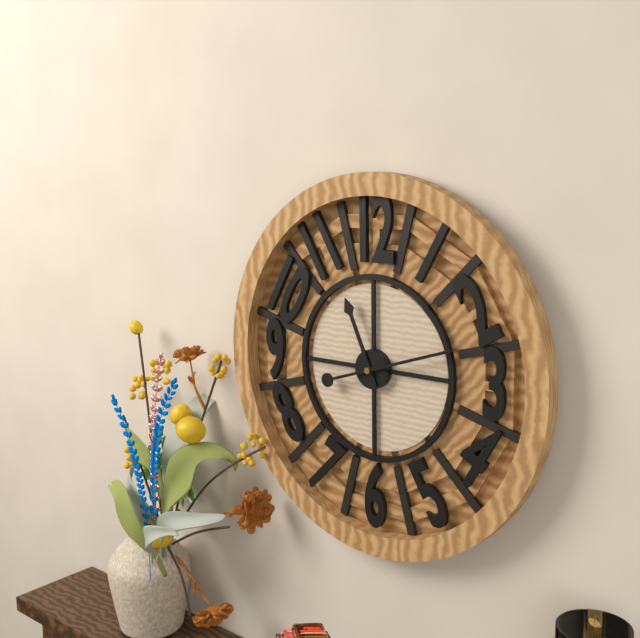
11:12
